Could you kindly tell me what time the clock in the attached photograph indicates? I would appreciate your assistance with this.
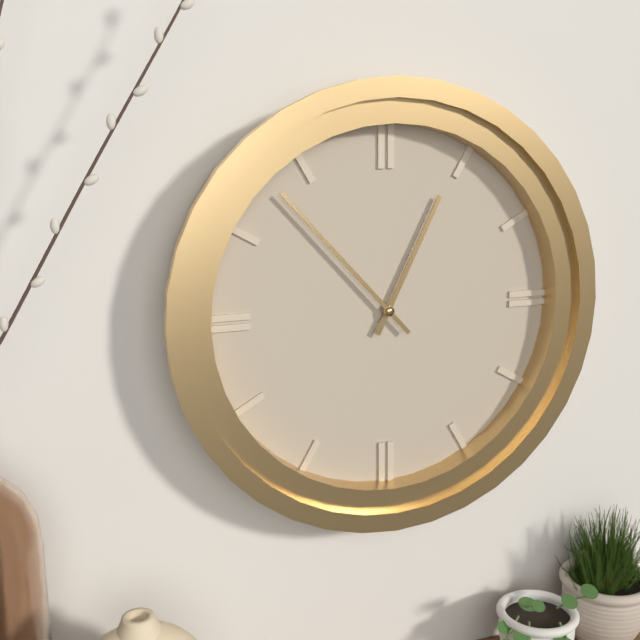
12:53
